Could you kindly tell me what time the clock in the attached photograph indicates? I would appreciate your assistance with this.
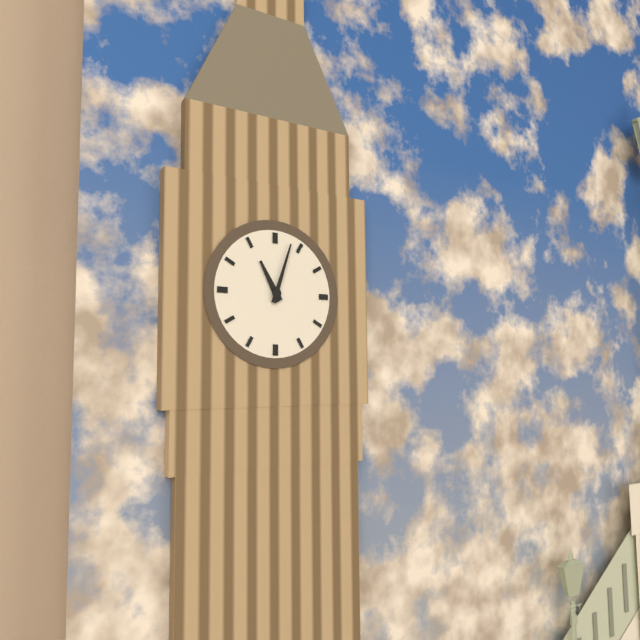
11:03
